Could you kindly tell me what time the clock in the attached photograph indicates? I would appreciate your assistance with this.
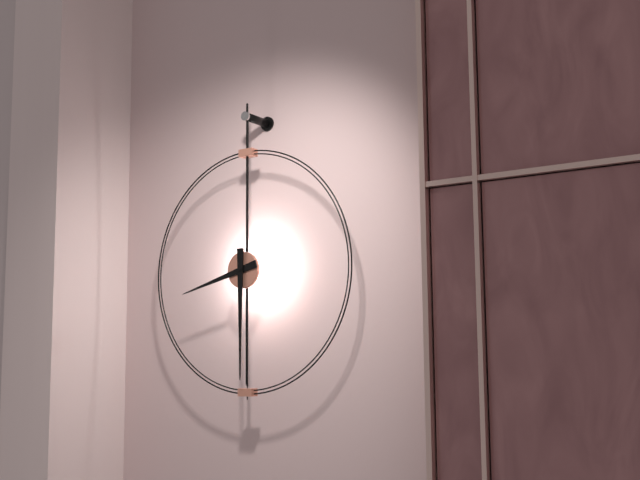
8:30
